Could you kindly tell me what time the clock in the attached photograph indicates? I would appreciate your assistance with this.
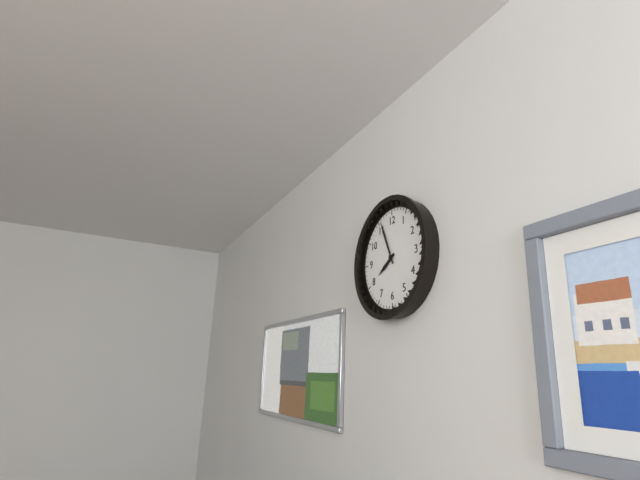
7:56
